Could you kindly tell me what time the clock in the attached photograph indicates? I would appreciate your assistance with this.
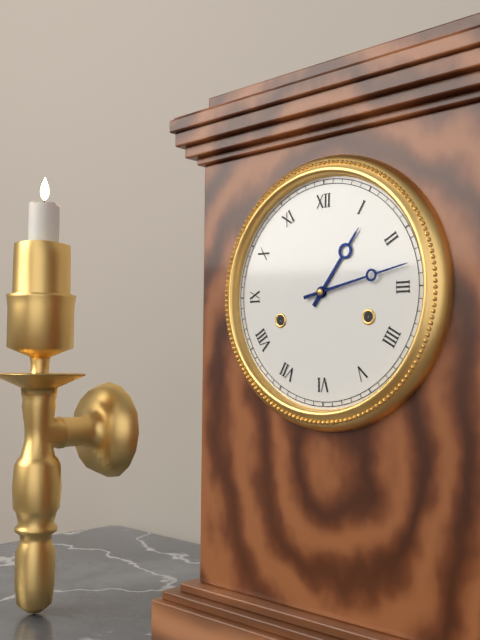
1:13
